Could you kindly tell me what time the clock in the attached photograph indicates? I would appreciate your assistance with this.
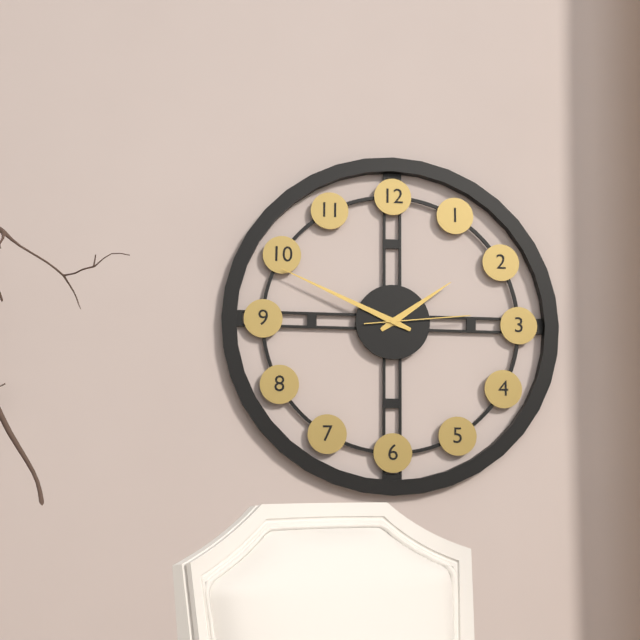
1:49:14
